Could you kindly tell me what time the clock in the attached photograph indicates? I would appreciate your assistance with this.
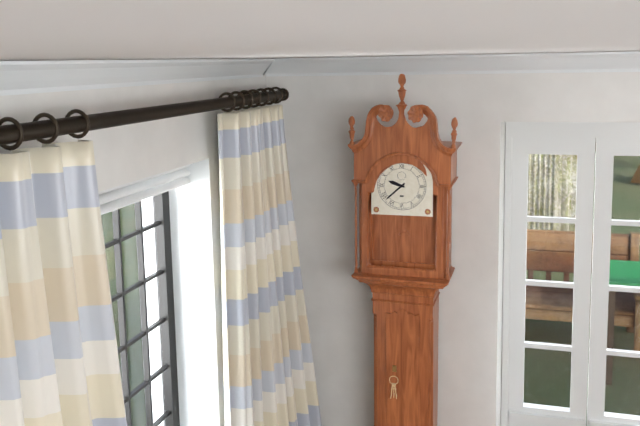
9:38
